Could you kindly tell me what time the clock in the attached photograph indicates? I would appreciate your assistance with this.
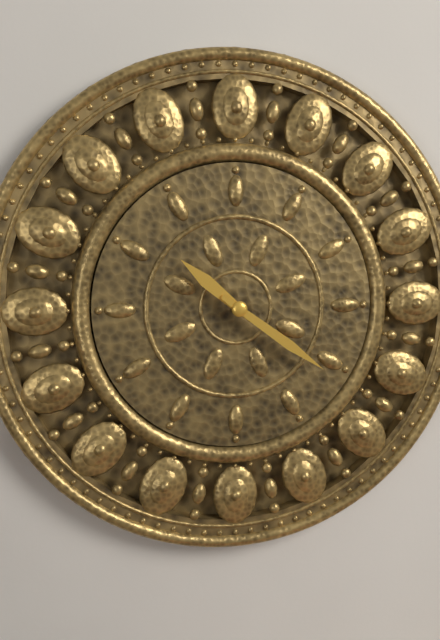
10:21
